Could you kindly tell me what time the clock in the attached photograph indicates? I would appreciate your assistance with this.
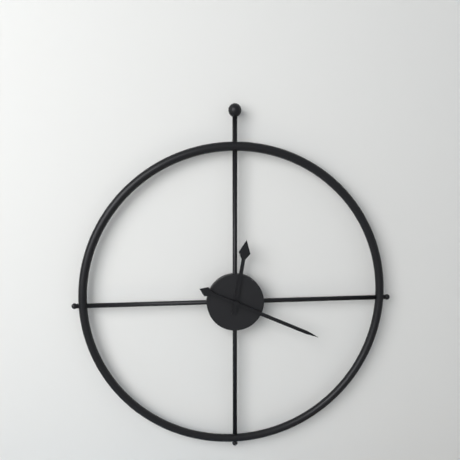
12:19
